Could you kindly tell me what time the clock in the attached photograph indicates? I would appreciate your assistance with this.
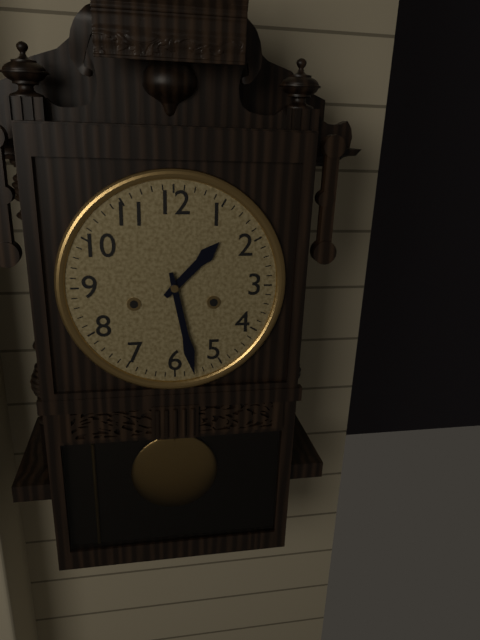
1:28
